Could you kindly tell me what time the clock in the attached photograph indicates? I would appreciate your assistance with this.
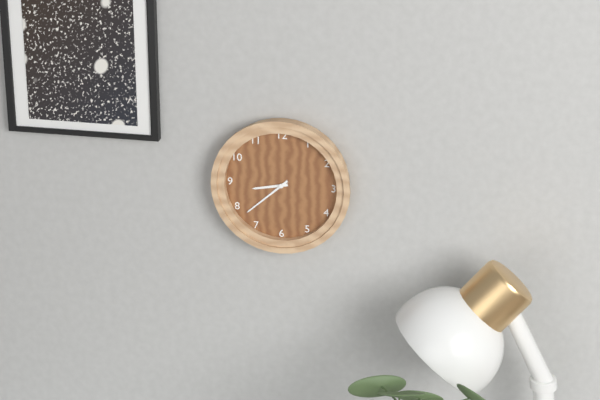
8:38
